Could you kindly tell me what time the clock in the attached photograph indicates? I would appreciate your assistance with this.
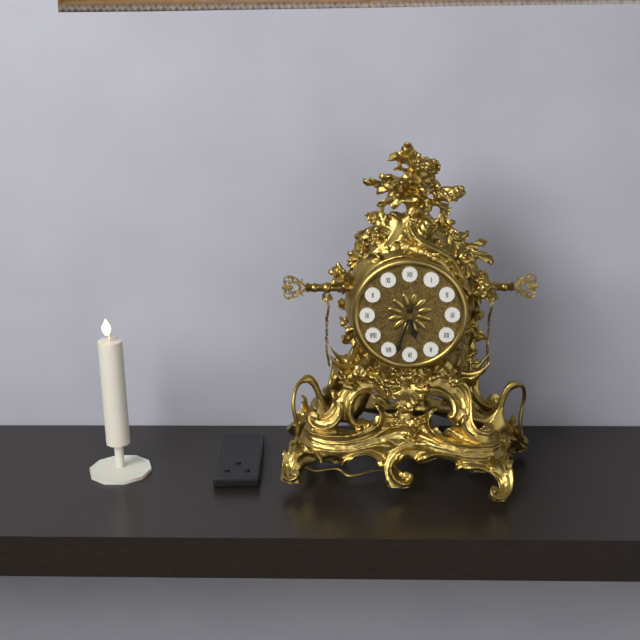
5:33
